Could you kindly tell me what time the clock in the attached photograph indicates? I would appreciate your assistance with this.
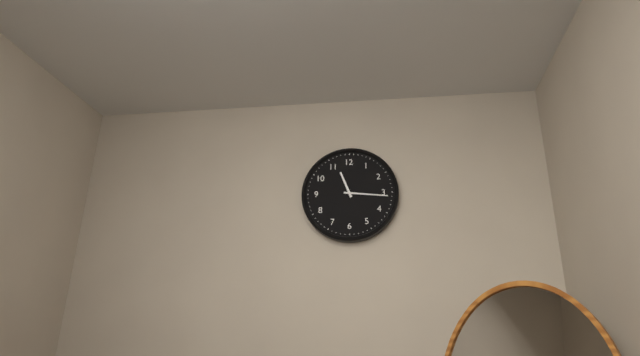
11:16
